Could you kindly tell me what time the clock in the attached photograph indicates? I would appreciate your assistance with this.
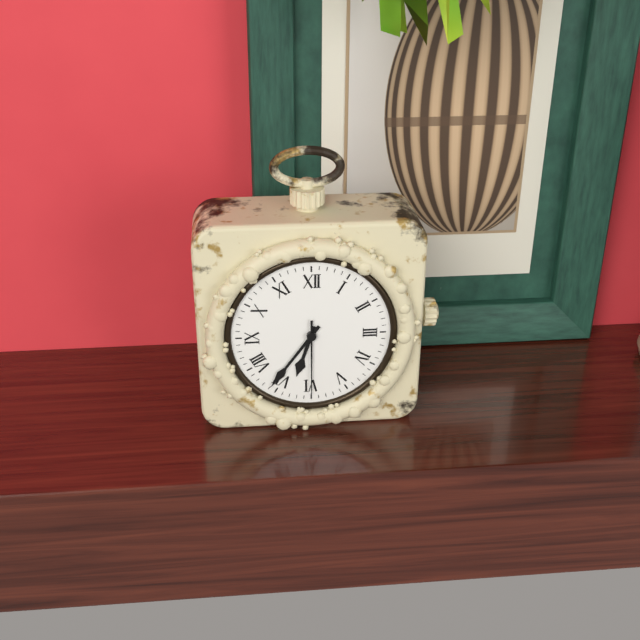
6:36:30
